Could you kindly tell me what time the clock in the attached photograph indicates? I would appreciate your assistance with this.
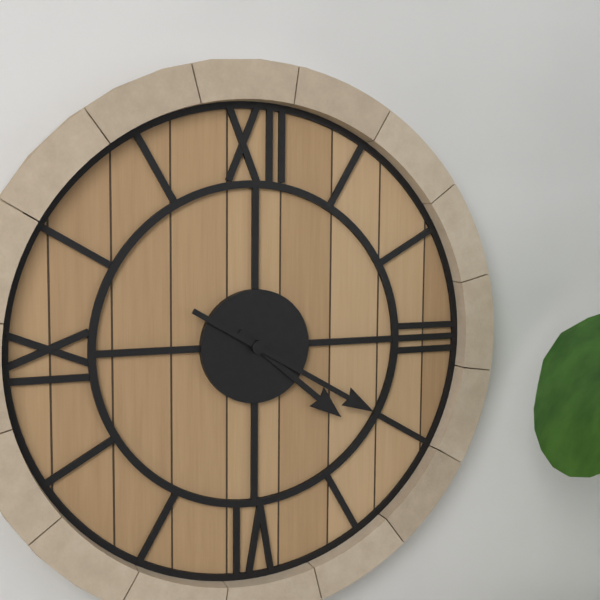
4:20
